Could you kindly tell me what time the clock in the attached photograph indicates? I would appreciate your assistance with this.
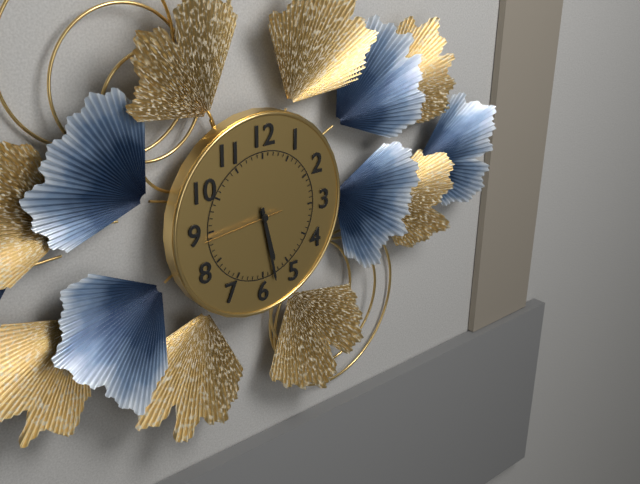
5:28:44
